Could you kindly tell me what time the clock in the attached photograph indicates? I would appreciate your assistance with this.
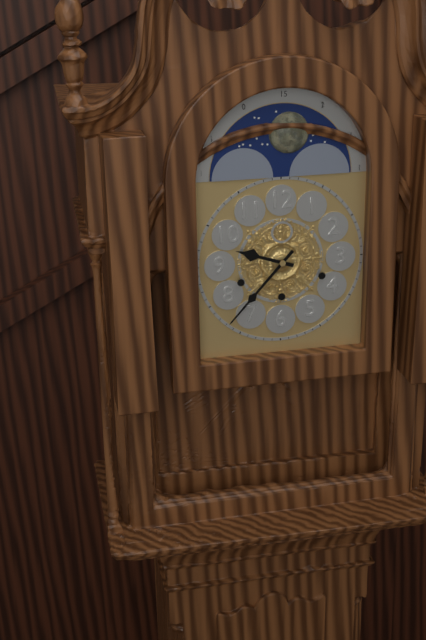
9:37
